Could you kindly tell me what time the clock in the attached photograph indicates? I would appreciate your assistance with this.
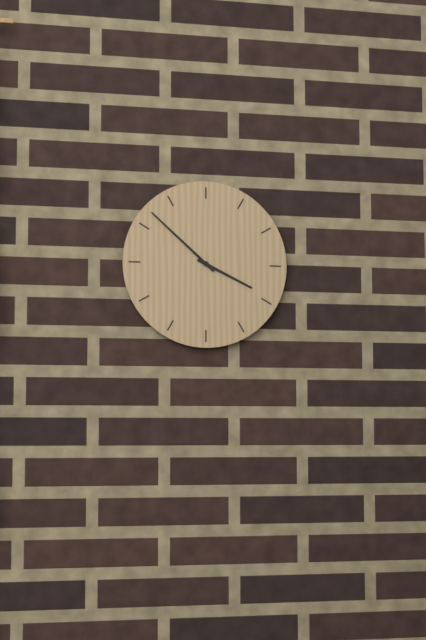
3:52
